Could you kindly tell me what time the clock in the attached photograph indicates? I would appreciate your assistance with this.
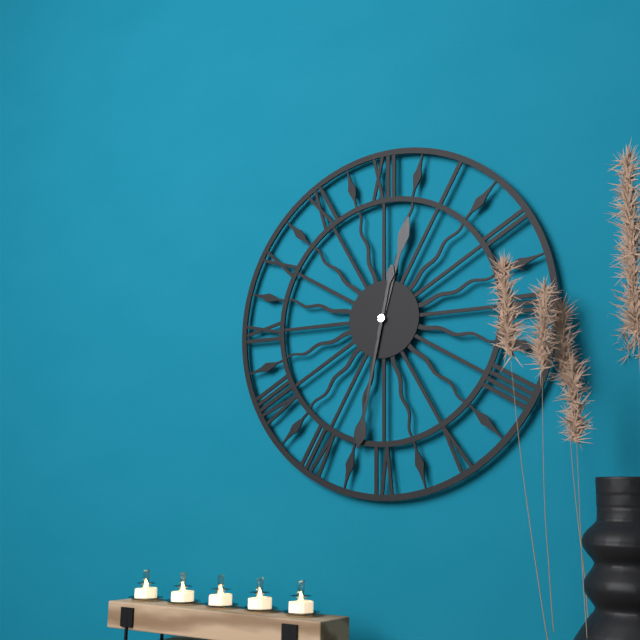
12:32
